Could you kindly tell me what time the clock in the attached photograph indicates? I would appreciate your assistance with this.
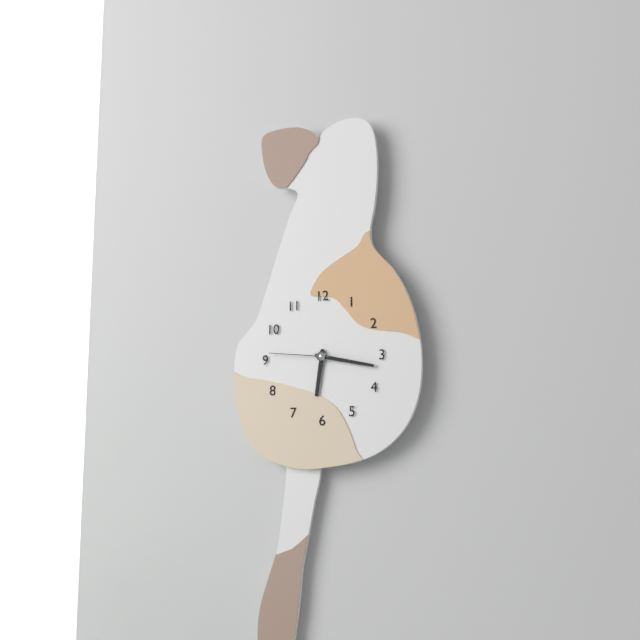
6:17:46
